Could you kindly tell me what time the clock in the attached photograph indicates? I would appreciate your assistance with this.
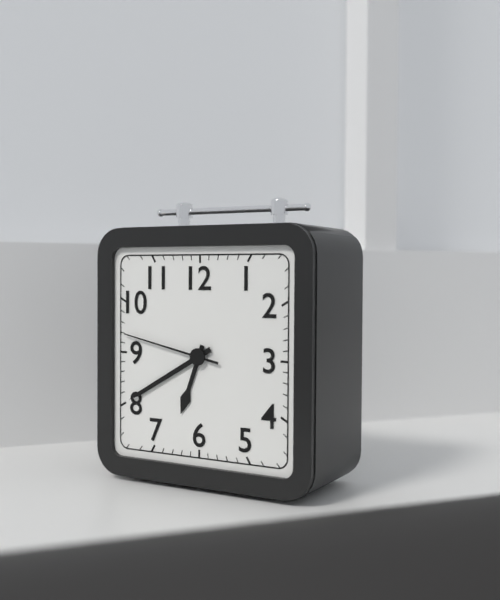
6:40:47
